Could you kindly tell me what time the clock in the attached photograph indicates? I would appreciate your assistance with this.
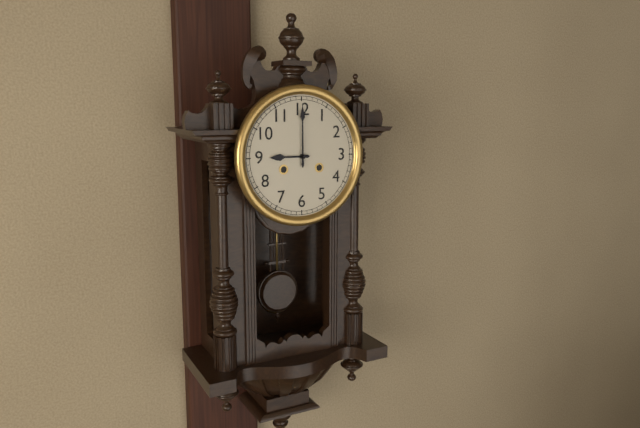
9:00
